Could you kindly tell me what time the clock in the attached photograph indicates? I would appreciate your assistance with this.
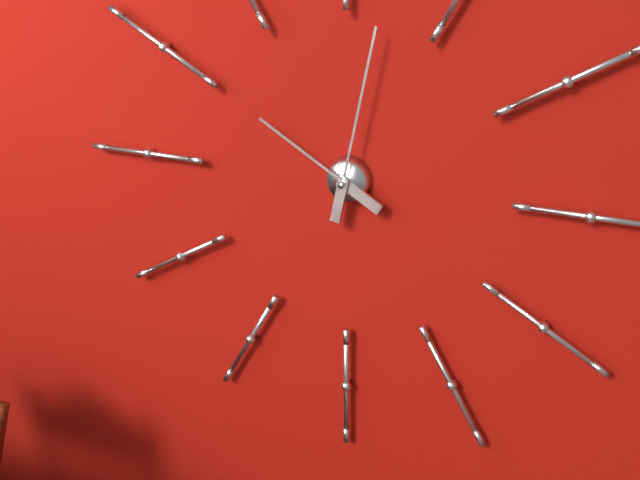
10:02
